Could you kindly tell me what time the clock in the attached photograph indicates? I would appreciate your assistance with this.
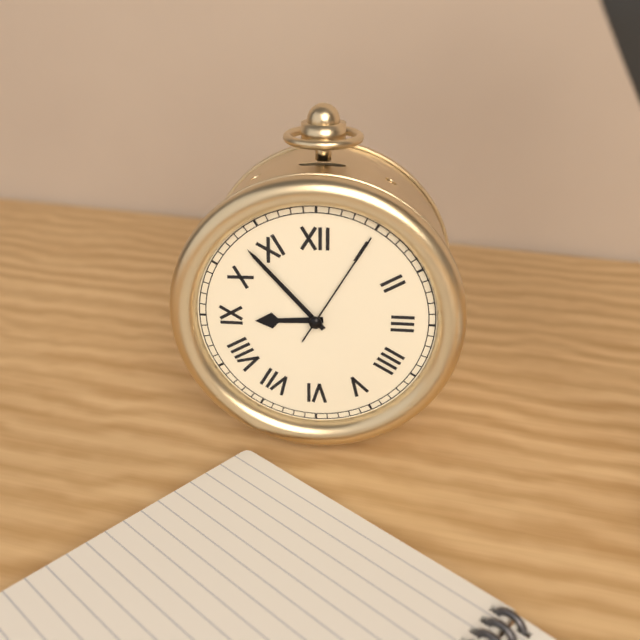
8:53:05
